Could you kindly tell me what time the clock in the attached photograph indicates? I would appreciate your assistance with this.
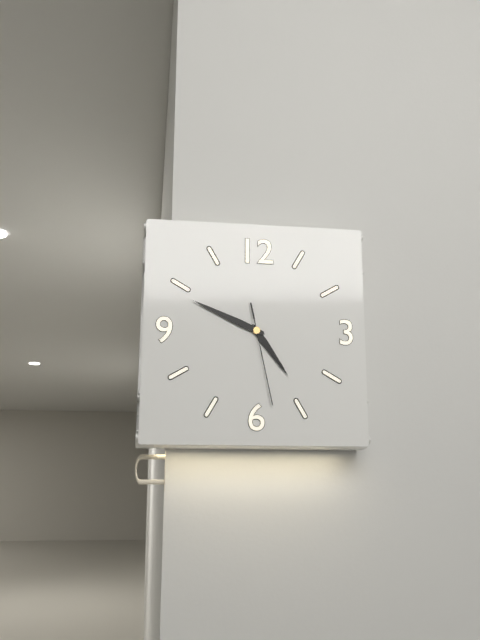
4:49:28
